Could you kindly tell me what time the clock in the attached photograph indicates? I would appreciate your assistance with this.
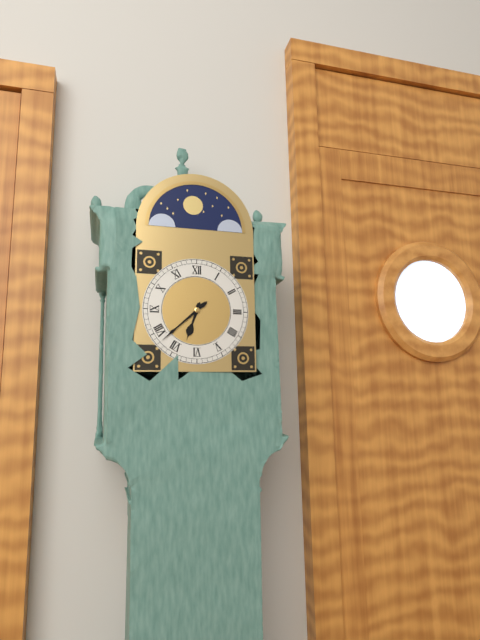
6:38
